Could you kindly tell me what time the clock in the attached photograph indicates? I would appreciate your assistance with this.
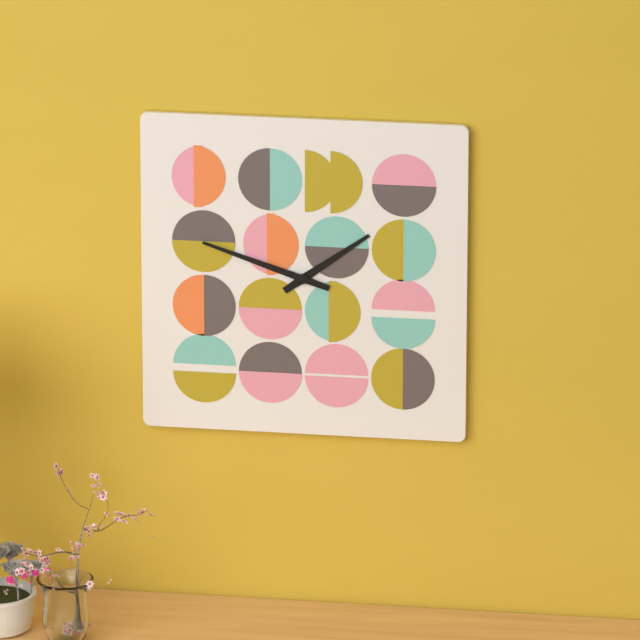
1:48
